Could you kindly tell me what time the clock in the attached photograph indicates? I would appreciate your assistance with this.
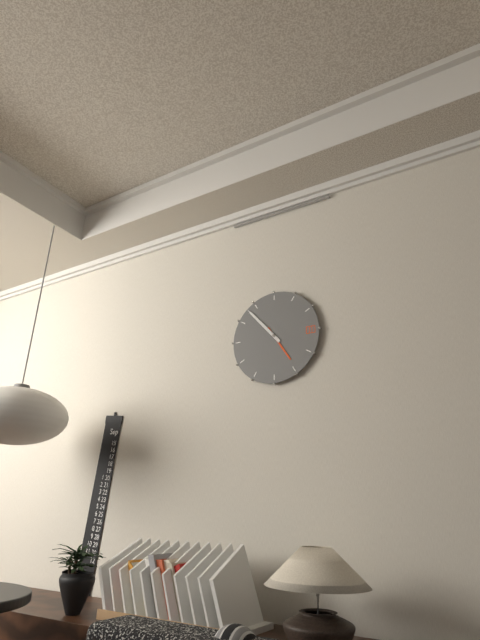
4:53
